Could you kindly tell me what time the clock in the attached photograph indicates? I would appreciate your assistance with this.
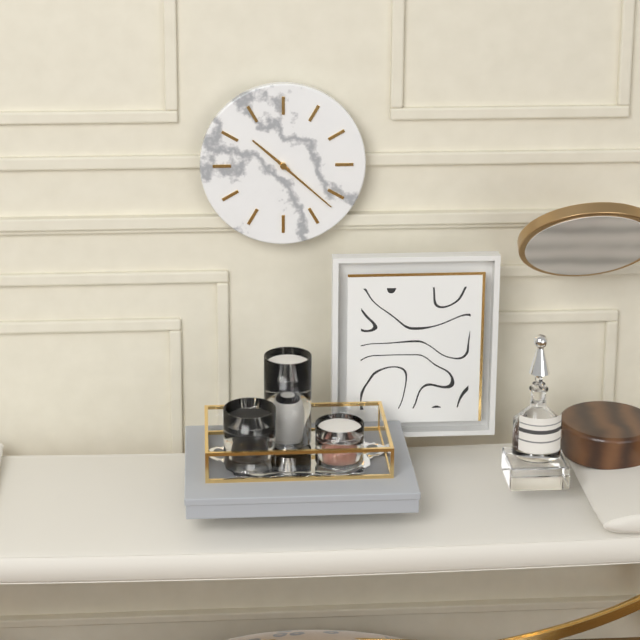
10:22
